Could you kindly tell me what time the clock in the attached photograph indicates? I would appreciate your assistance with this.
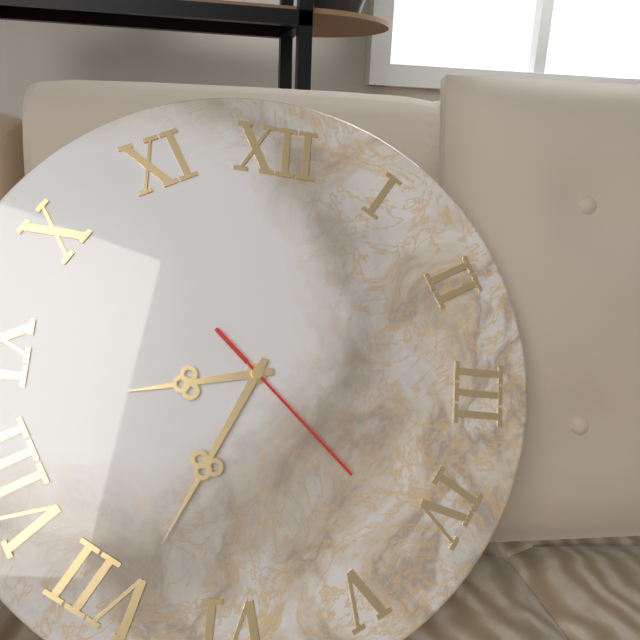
8:34:22
